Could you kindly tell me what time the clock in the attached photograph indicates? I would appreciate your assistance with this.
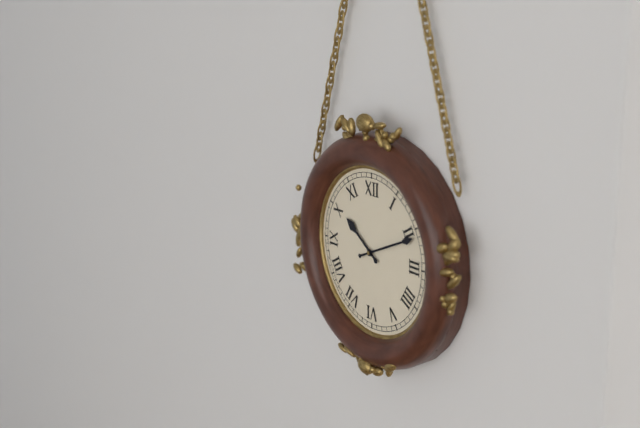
10:11
